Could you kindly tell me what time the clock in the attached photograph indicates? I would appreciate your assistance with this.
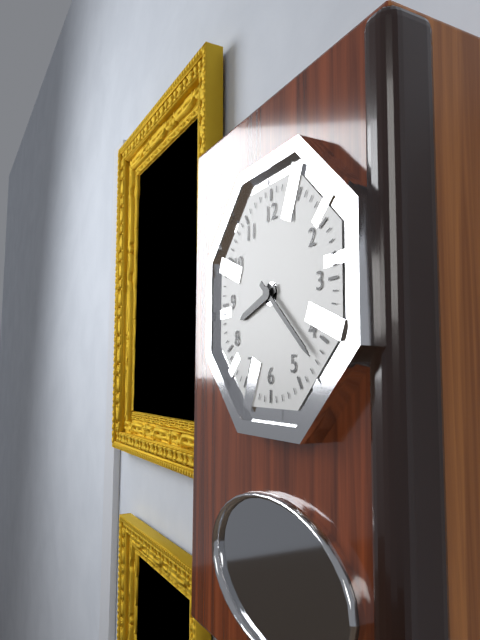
8:22
